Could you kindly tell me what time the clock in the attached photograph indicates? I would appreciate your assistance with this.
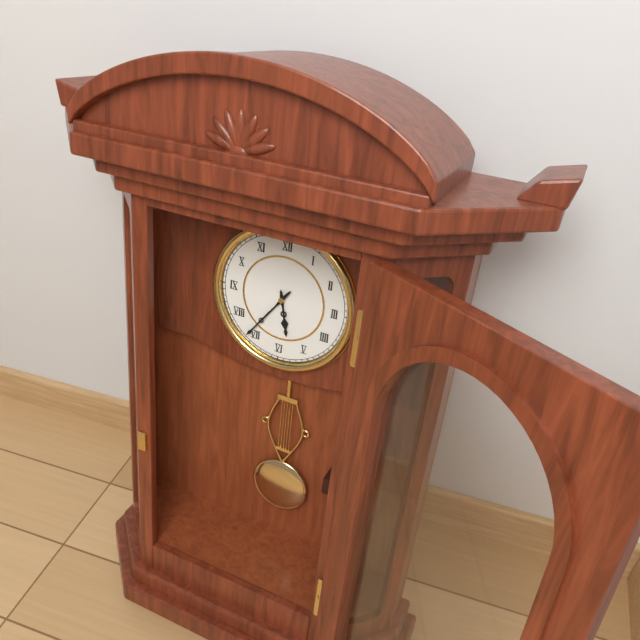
5:36
